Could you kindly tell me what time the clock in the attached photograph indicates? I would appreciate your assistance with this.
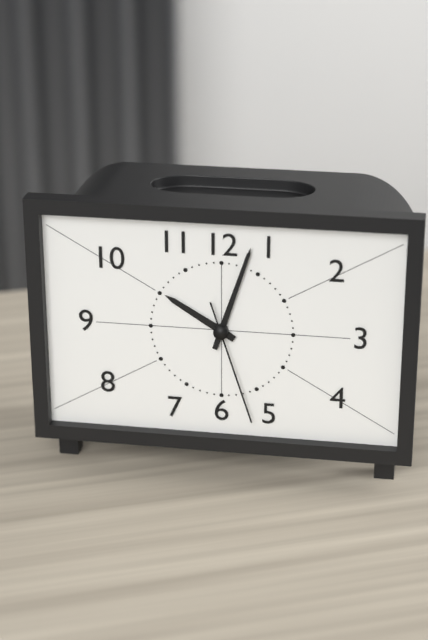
10:03:27
